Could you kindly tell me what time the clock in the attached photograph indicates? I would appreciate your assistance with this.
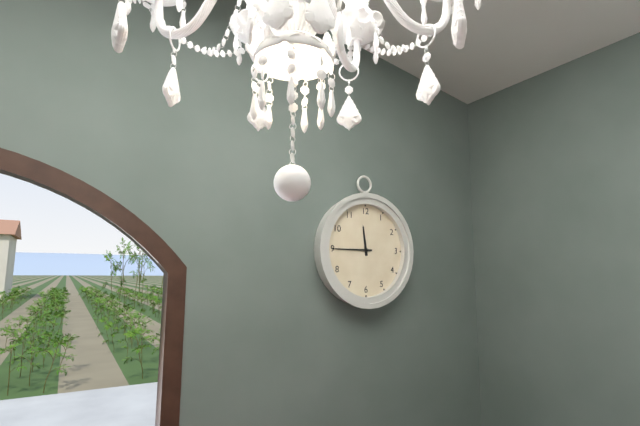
11:45
